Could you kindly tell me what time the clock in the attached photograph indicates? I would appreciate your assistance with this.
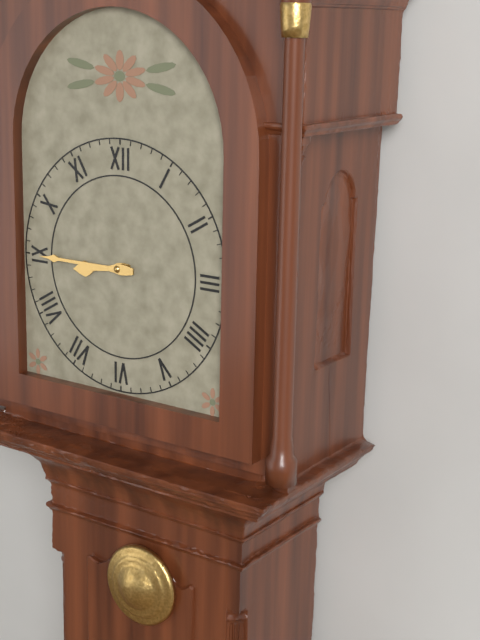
8:45
